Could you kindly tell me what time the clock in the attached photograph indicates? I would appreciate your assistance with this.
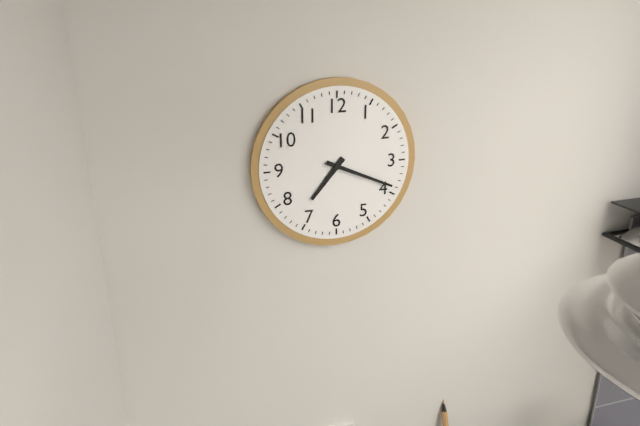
7:19
